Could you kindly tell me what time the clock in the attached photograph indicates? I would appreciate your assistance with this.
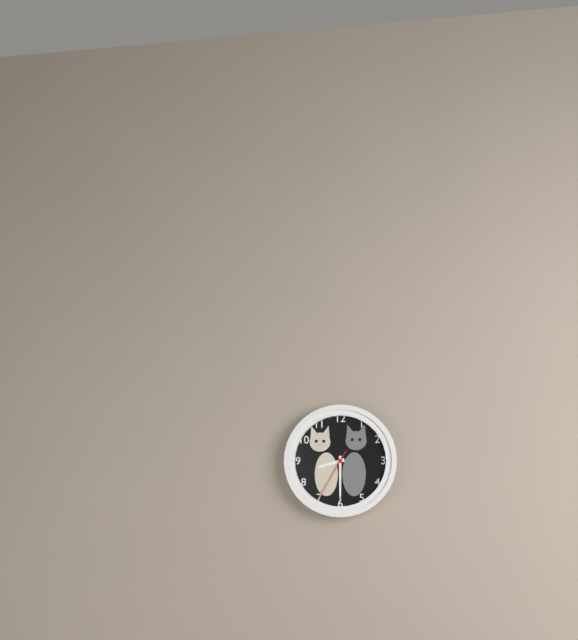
8:30:35
